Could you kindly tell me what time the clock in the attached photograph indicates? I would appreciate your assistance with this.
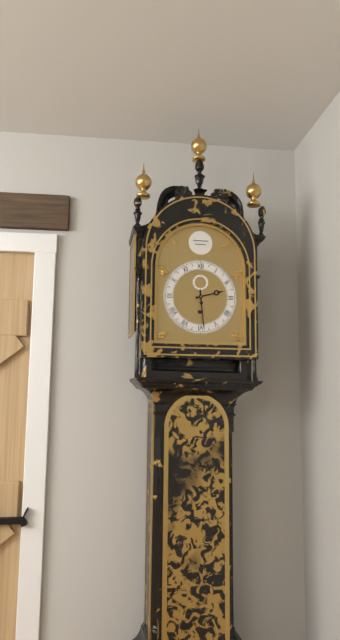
2:29
